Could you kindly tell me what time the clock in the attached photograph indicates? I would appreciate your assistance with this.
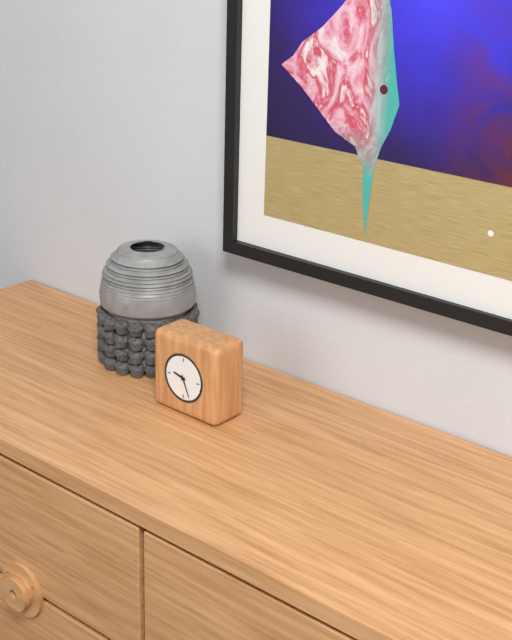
9:26
